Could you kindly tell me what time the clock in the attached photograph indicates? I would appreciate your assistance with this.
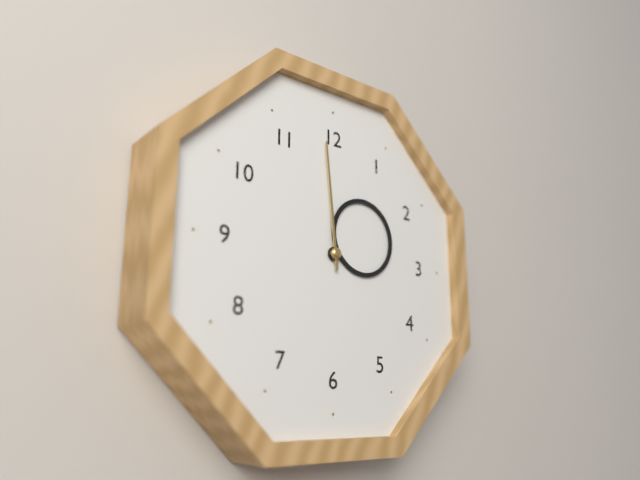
1:59
